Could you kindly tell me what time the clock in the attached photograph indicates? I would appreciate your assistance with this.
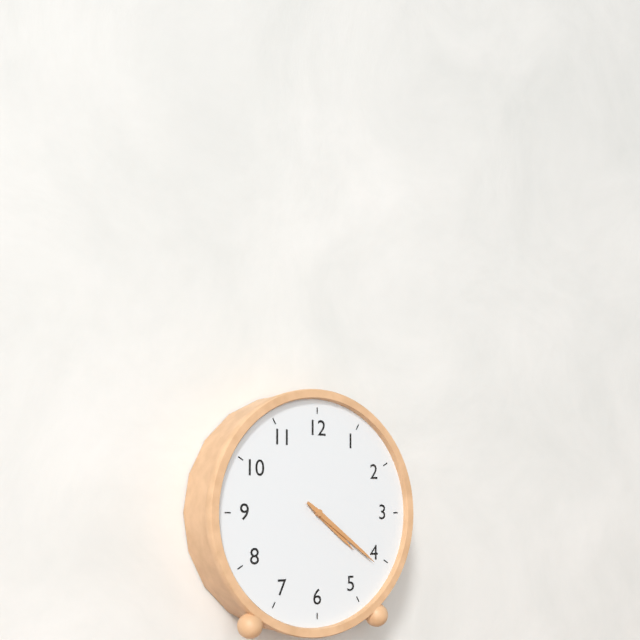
4:21
